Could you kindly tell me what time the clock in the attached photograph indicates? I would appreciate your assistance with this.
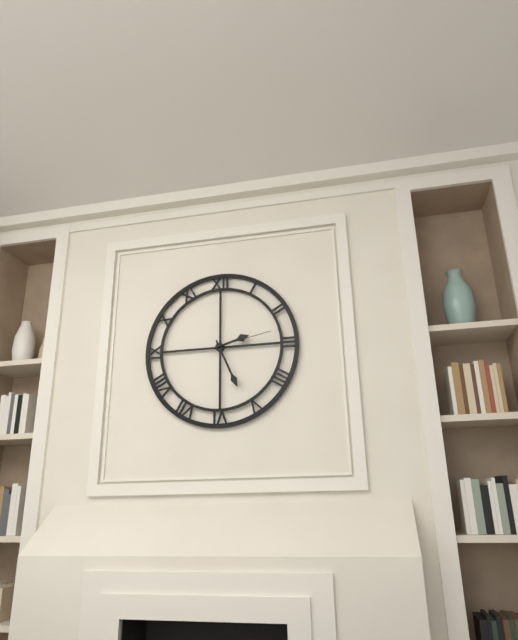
2:26:13
